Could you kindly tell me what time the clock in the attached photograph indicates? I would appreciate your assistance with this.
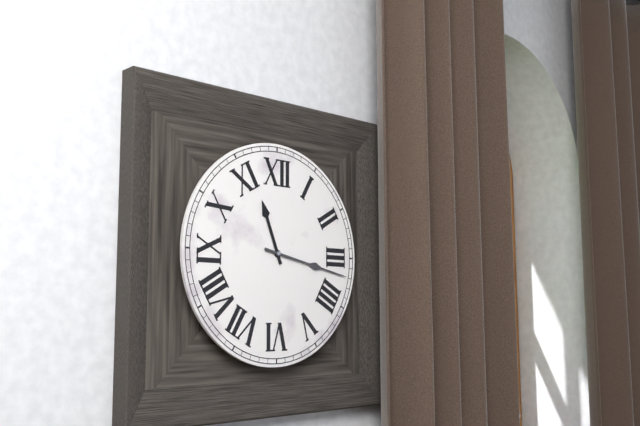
11:17
